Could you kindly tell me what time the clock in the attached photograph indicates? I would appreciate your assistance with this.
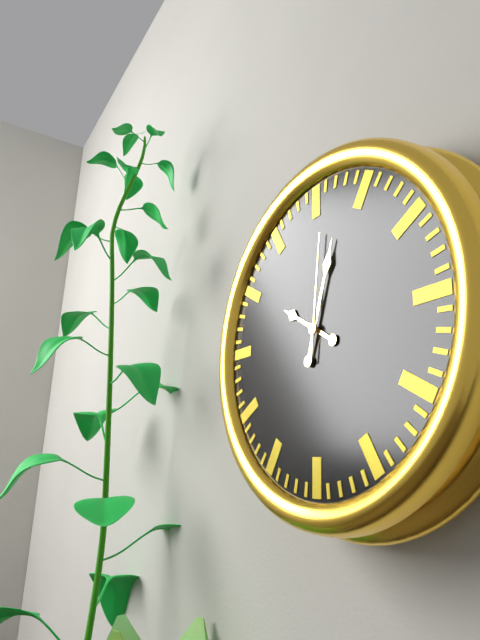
10:03:01
